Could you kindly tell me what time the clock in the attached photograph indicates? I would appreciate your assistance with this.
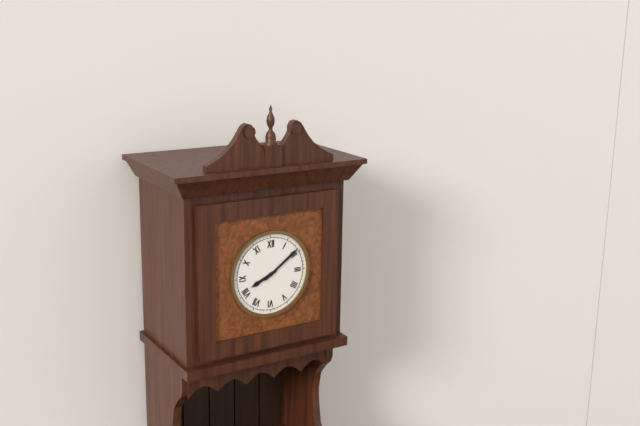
8:09
